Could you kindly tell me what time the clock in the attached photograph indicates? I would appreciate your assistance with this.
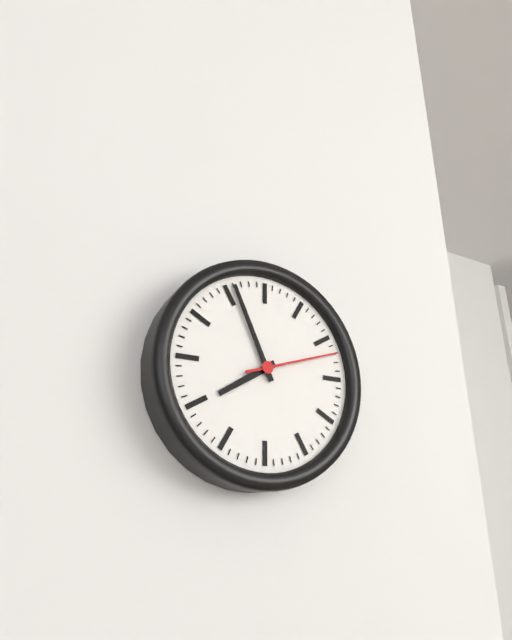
7:56:12
